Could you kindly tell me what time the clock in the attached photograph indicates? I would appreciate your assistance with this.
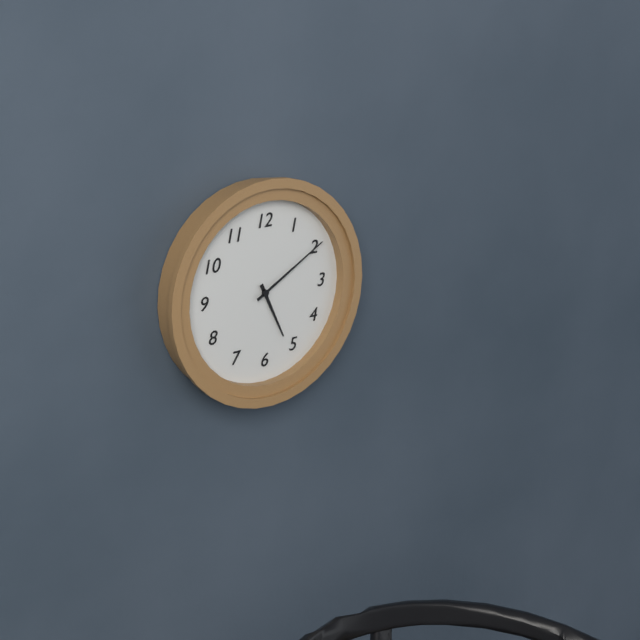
5:10
